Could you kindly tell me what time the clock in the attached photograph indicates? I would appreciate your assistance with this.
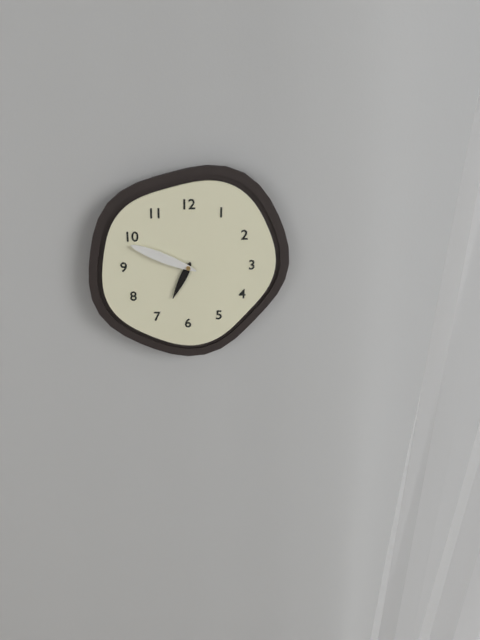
6:49
